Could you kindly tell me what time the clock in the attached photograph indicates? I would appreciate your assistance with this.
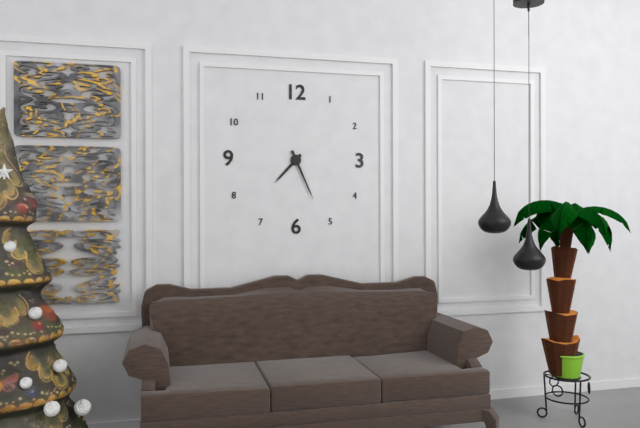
7:26
